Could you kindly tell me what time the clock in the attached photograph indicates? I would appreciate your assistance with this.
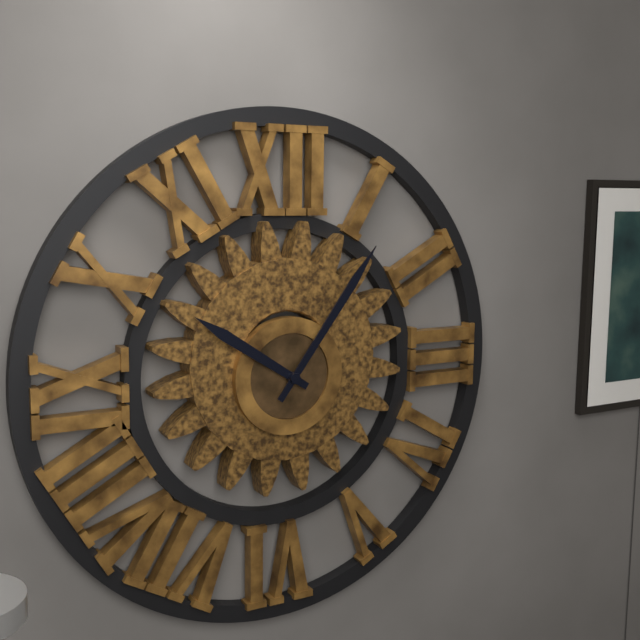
10:06
